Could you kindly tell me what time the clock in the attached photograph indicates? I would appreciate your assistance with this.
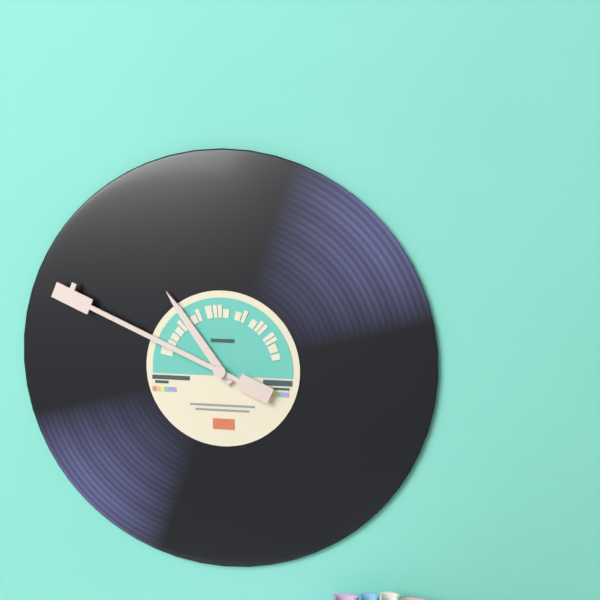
10:49
